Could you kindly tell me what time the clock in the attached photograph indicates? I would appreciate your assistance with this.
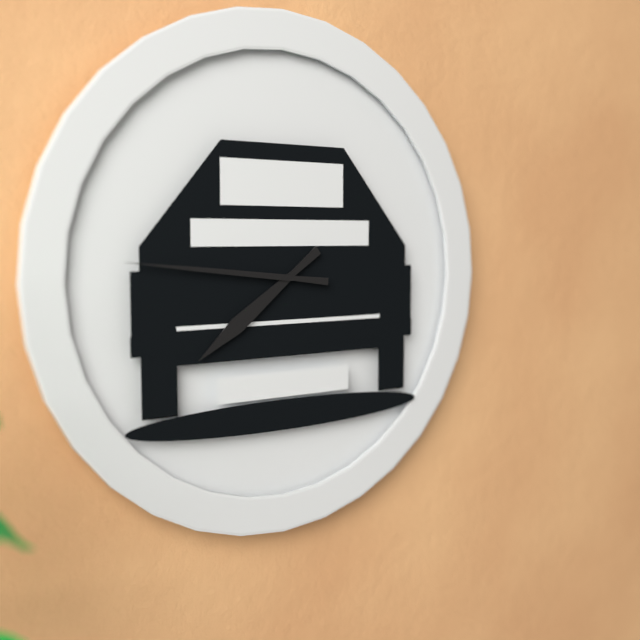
7:46
